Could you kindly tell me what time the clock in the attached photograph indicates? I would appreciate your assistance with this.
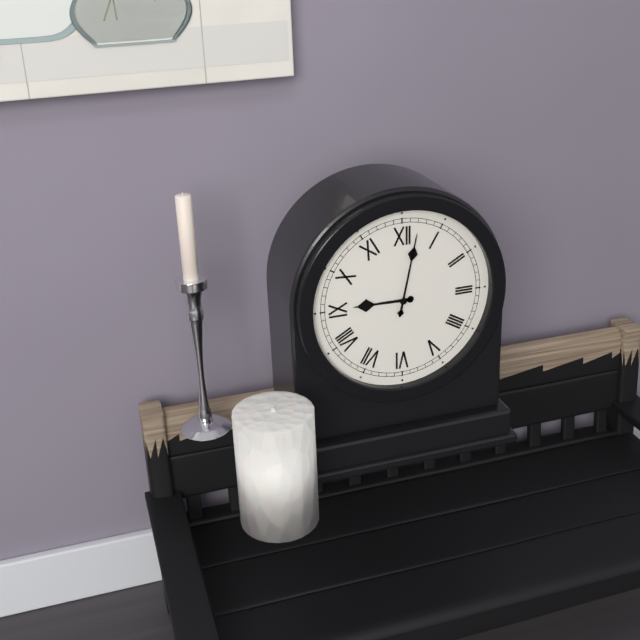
9:02
